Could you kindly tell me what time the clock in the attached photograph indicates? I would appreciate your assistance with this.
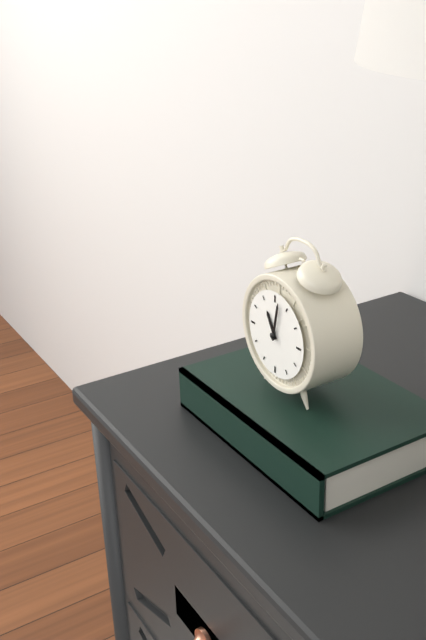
11:02
